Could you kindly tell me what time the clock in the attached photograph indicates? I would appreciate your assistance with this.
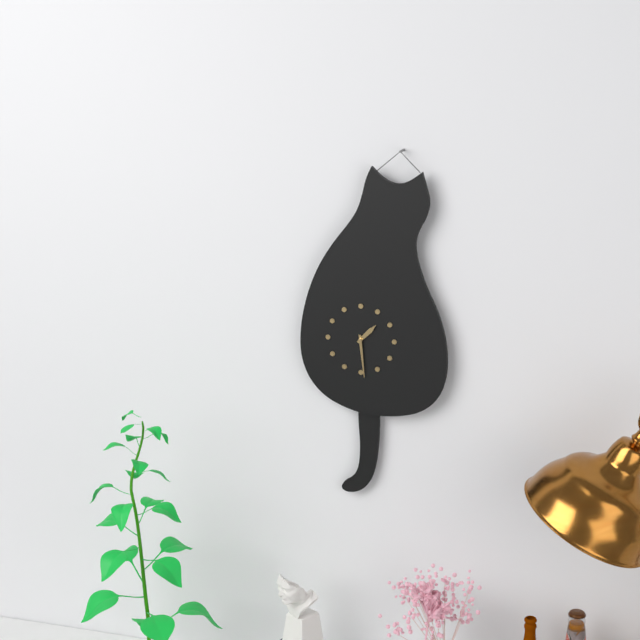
1:29
